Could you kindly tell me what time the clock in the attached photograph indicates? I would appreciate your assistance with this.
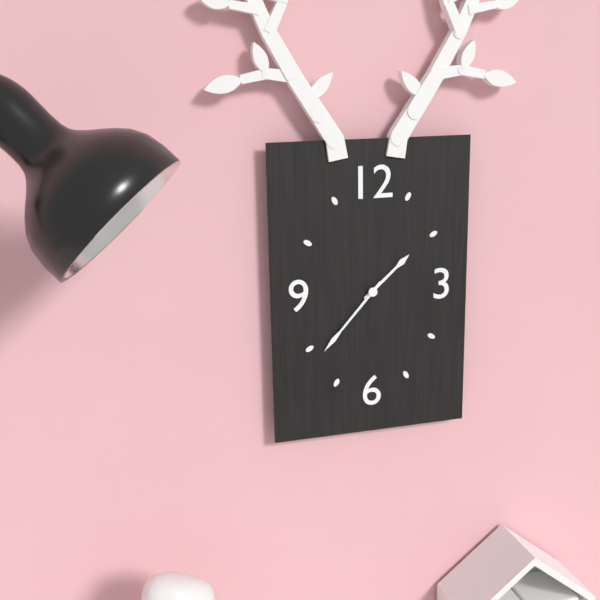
1:37
